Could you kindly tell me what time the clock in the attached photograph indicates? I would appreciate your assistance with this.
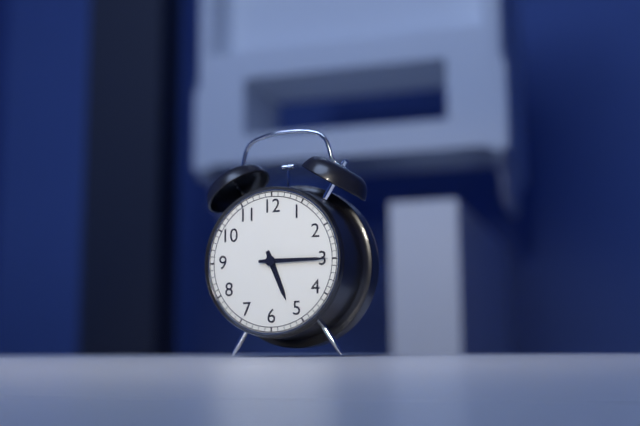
5:15
